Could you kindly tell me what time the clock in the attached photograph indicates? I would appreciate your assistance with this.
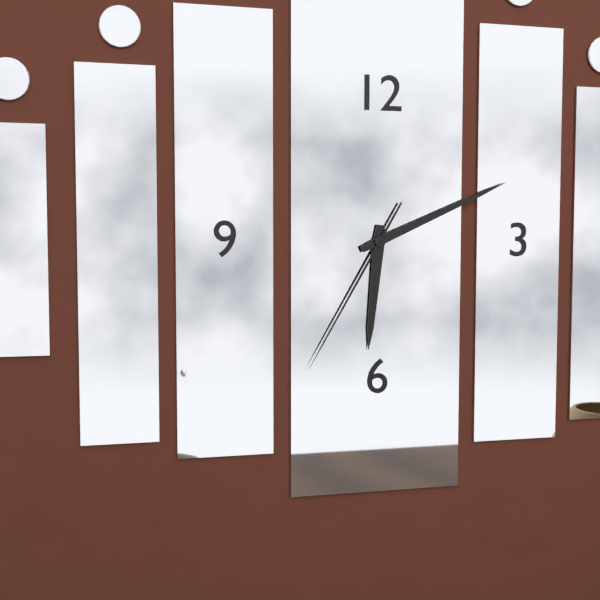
6:11:35
